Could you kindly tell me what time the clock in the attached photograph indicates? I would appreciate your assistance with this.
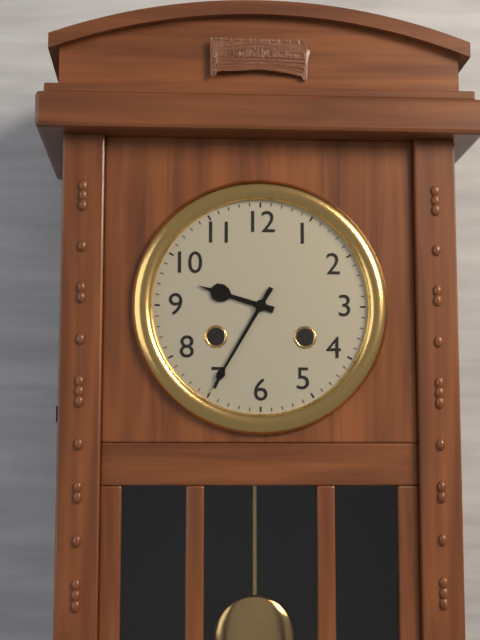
9:35
